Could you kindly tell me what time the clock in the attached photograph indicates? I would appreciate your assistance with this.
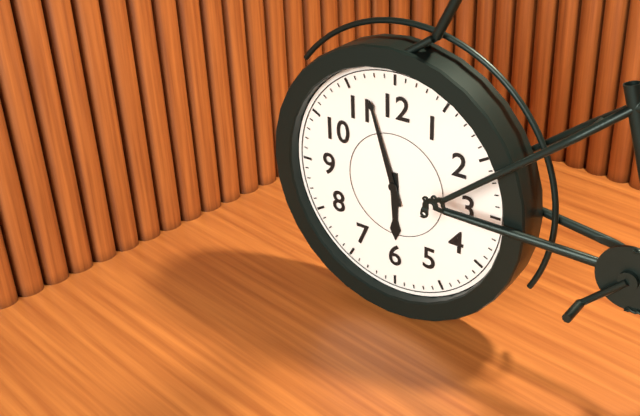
5:57
